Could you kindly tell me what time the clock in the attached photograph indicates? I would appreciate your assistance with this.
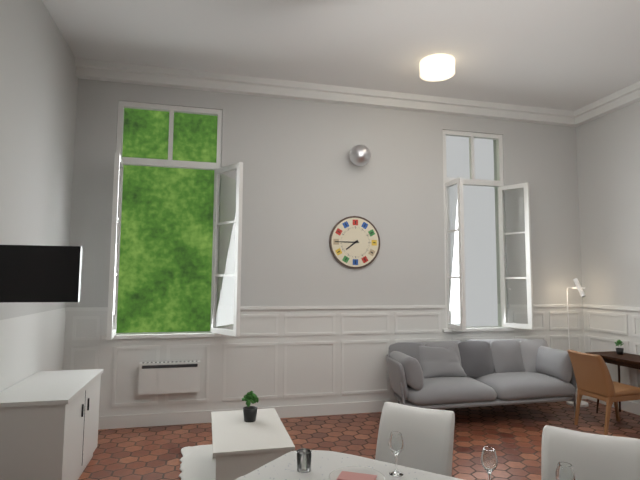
7:45
